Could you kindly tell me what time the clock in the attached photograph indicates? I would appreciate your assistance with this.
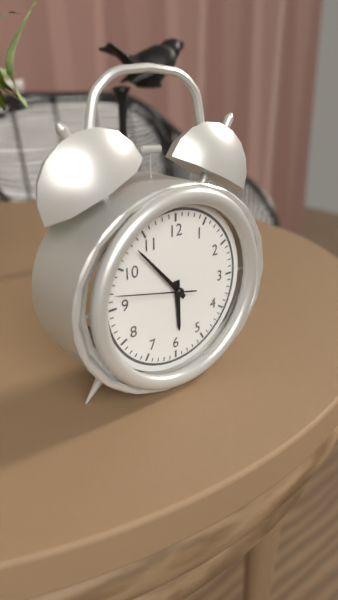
5:53:47
